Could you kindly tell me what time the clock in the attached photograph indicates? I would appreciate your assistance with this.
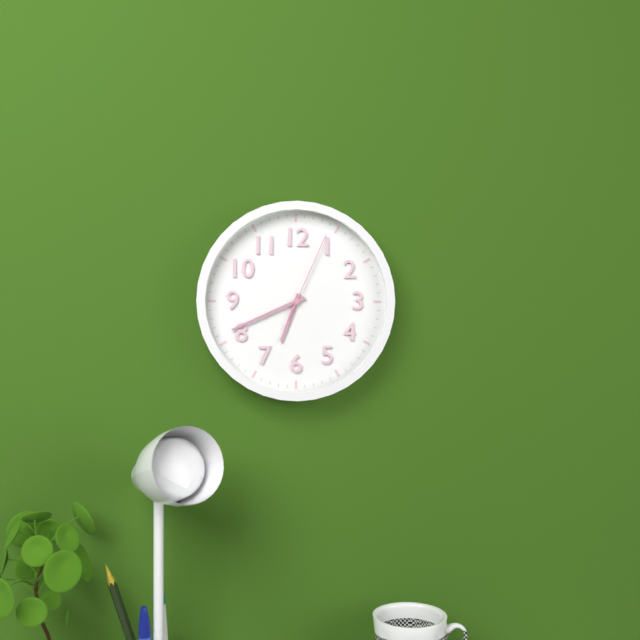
6:41:04
